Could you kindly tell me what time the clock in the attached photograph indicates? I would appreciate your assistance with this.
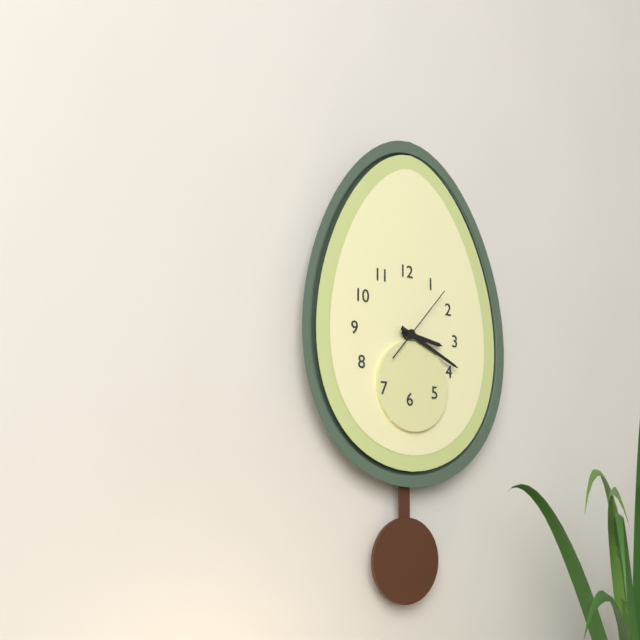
3:19:07
